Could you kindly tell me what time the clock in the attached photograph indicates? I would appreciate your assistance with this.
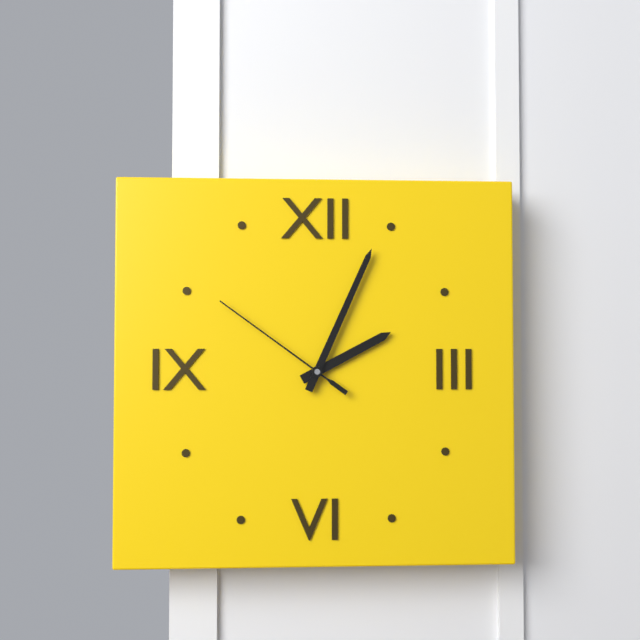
2:04:51
